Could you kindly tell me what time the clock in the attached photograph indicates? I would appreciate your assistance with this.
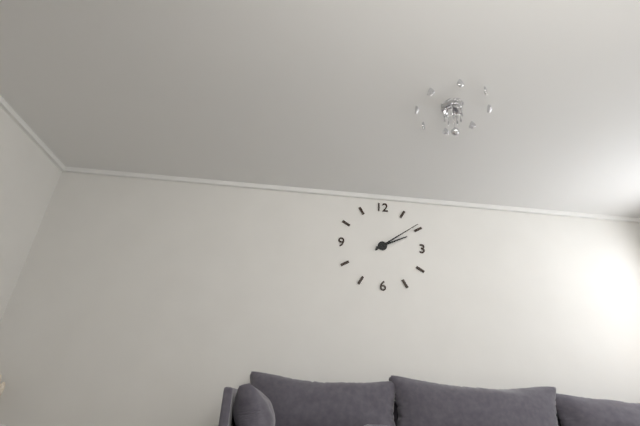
2:09
